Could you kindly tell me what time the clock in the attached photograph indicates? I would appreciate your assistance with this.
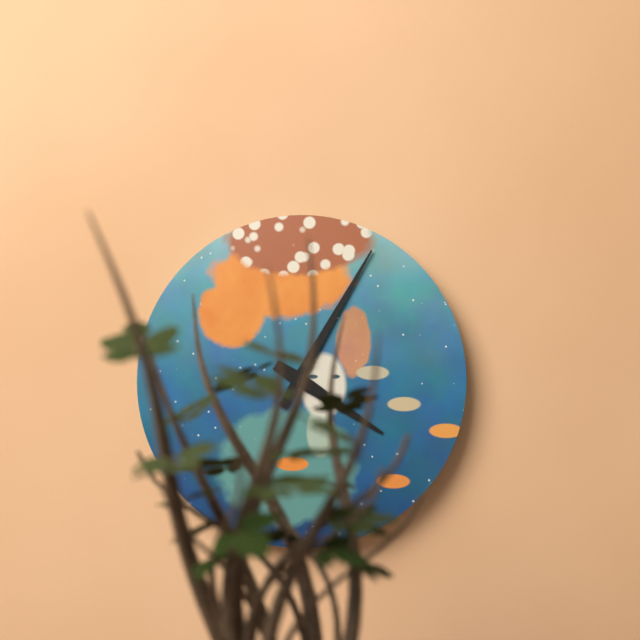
4:05
